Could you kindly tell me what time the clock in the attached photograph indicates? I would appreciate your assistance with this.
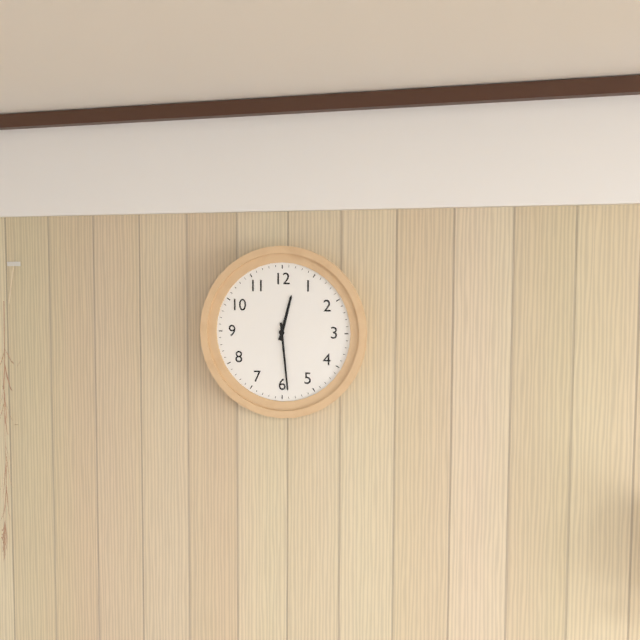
12:29
